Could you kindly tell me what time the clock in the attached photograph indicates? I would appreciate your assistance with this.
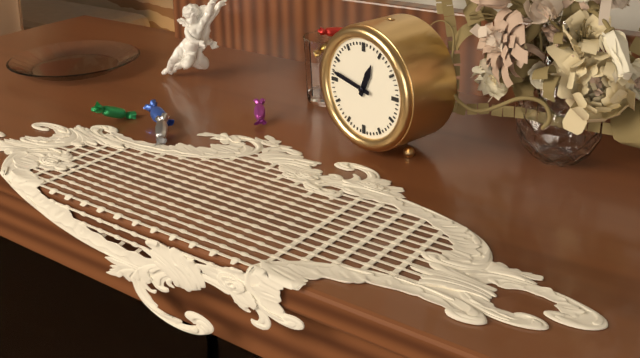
12:47
